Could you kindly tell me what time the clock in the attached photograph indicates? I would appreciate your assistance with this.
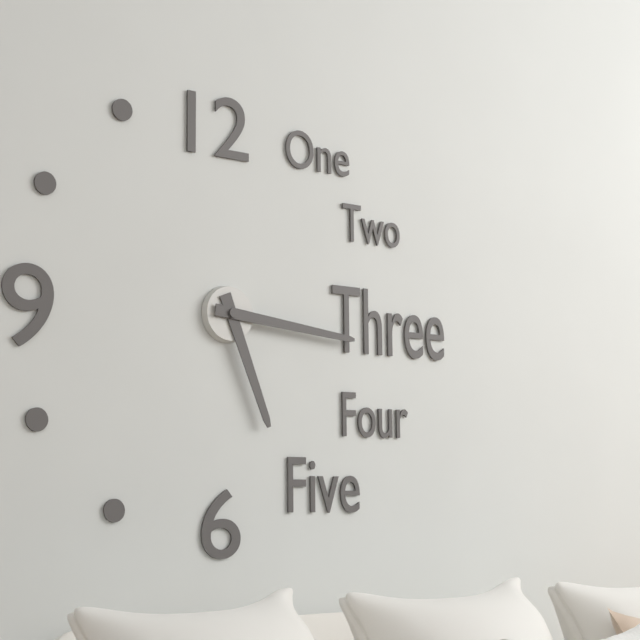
5:16
